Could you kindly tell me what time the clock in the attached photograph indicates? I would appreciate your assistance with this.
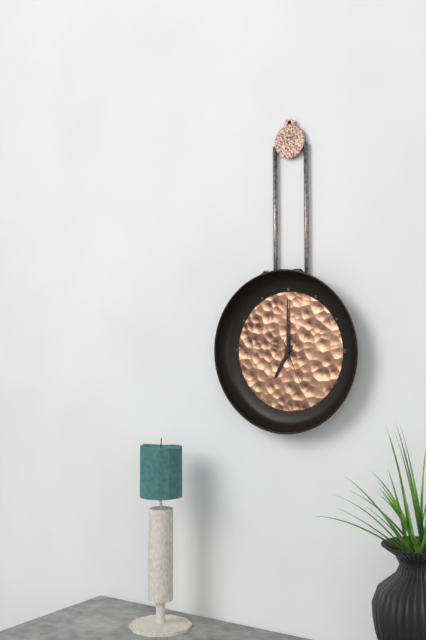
7:00:26
